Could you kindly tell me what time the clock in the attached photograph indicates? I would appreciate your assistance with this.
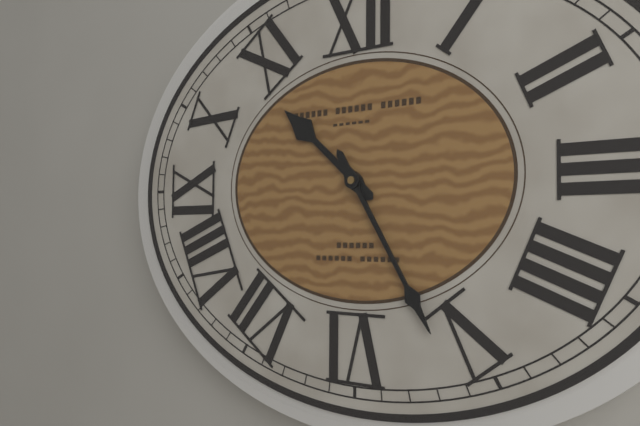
10:25
